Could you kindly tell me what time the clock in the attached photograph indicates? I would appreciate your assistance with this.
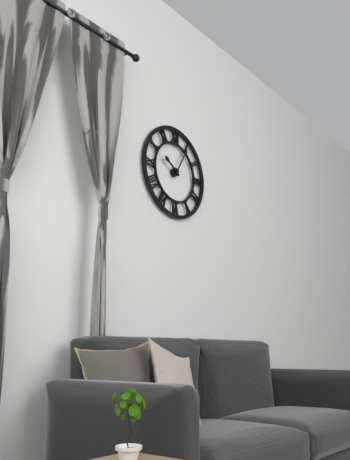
10:05
